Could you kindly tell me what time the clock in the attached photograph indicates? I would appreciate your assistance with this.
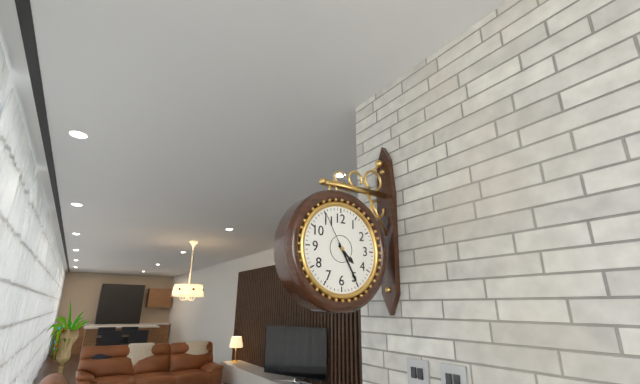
4:25
